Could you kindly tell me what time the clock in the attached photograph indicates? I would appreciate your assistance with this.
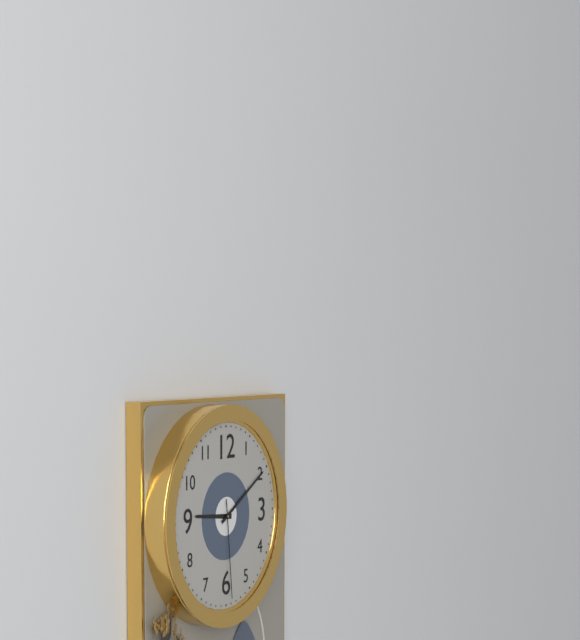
9:10:29
